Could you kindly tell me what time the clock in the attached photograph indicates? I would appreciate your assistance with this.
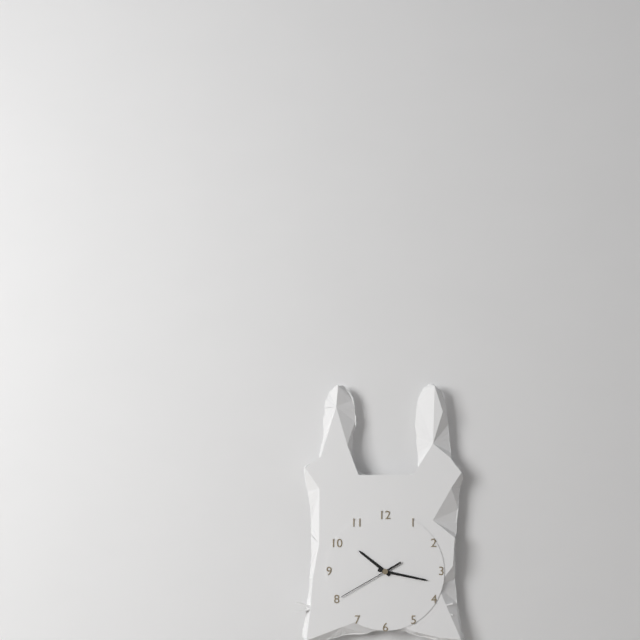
10:17:40
